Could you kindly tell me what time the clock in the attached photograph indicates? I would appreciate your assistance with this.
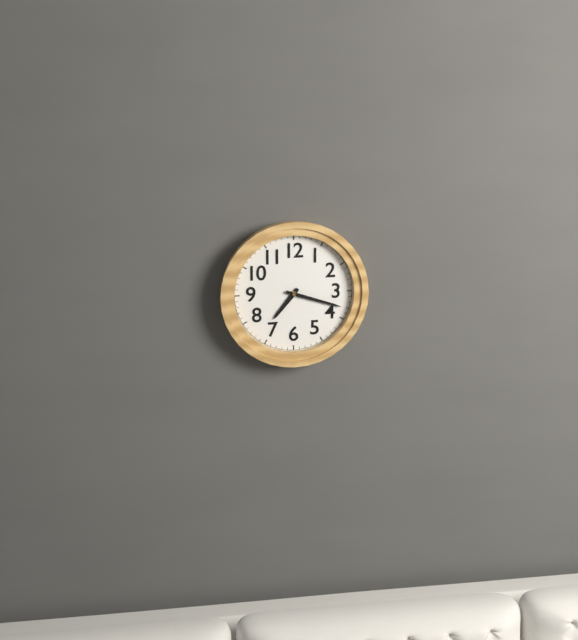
7:18
